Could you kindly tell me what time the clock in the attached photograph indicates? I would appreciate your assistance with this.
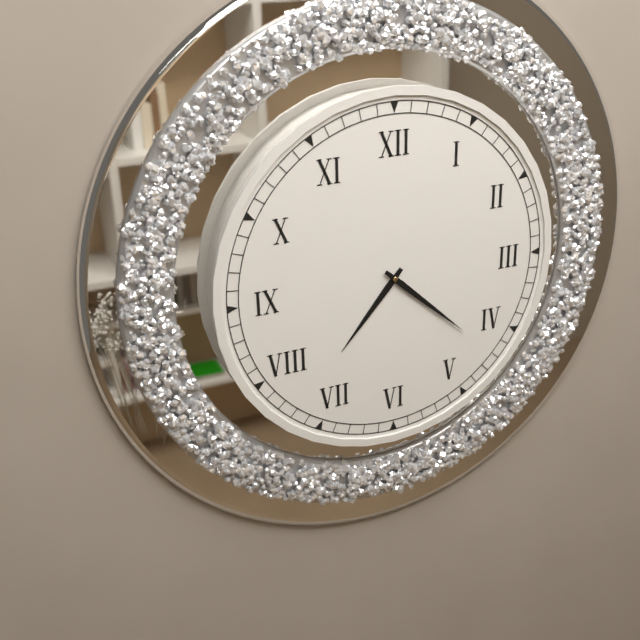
7:22
